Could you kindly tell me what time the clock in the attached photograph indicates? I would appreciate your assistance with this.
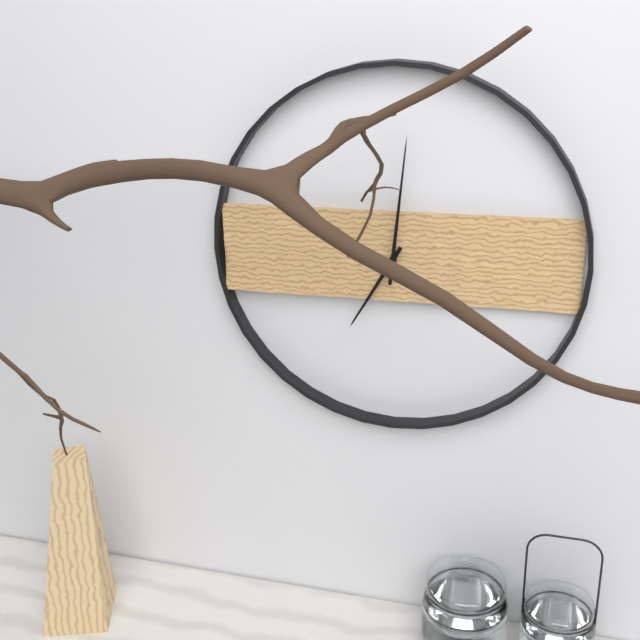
7:01
